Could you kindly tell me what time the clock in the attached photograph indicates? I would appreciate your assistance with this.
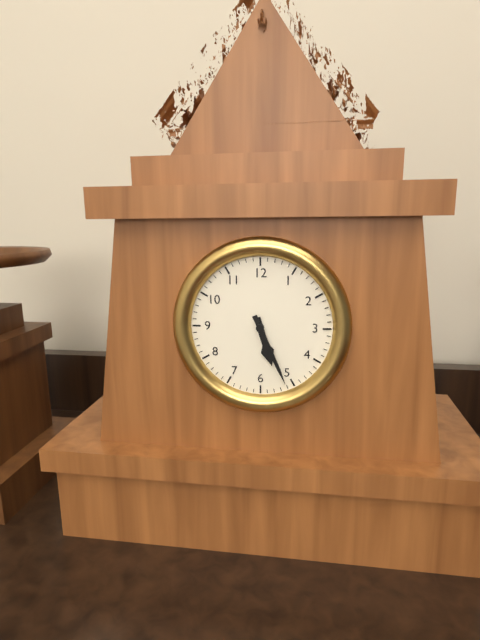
5:26
